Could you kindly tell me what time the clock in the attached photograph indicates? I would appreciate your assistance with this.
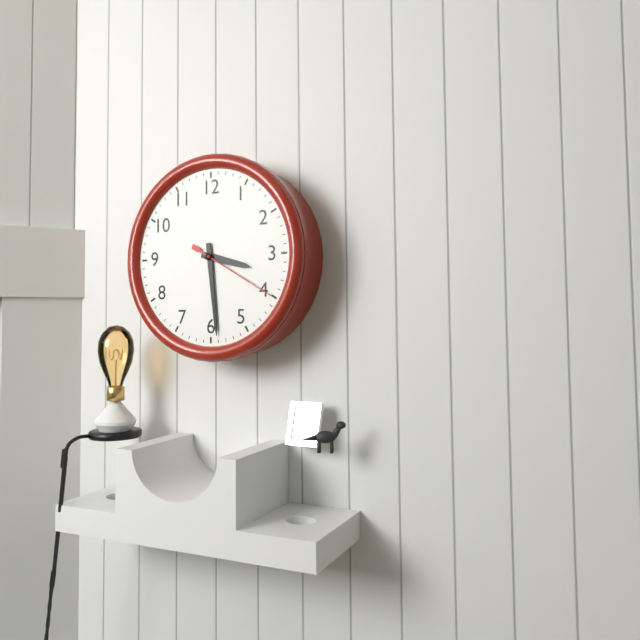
3:29:20
